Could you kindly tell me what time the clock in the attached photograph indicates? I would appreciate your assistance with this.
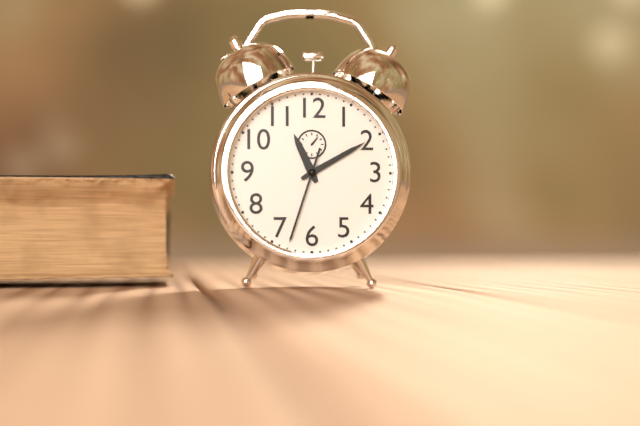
11:10:33
